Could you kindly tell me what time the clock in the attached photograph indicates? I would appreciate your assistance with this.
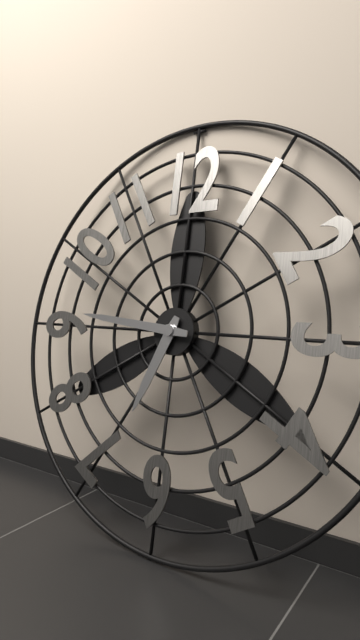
6:46
